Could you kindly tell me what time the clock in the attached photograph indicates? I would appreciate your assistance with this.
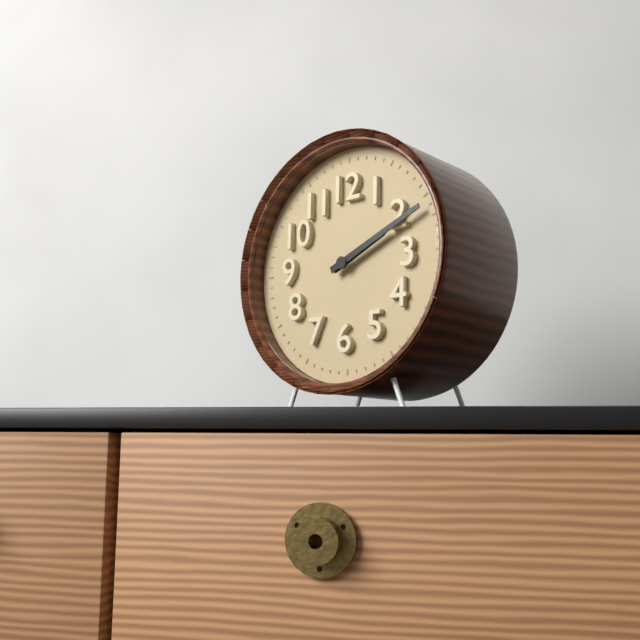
2:11
